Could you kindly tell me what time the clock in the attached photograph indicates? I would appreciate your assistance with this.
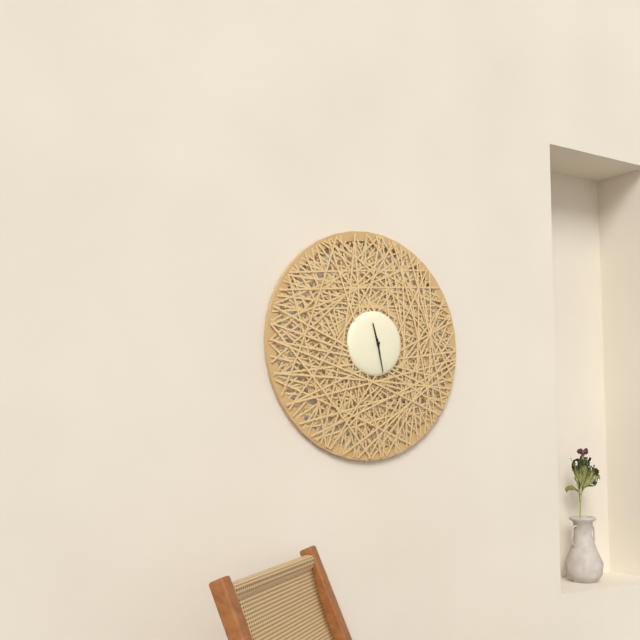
11:28
